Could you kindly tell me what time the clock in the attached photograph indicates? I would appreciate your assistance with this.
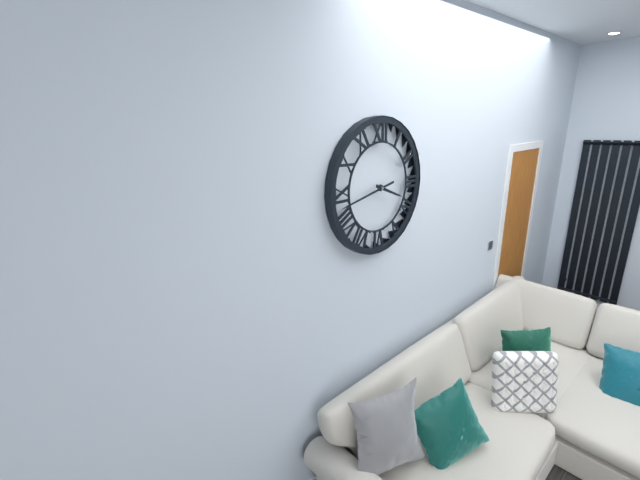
3:43
